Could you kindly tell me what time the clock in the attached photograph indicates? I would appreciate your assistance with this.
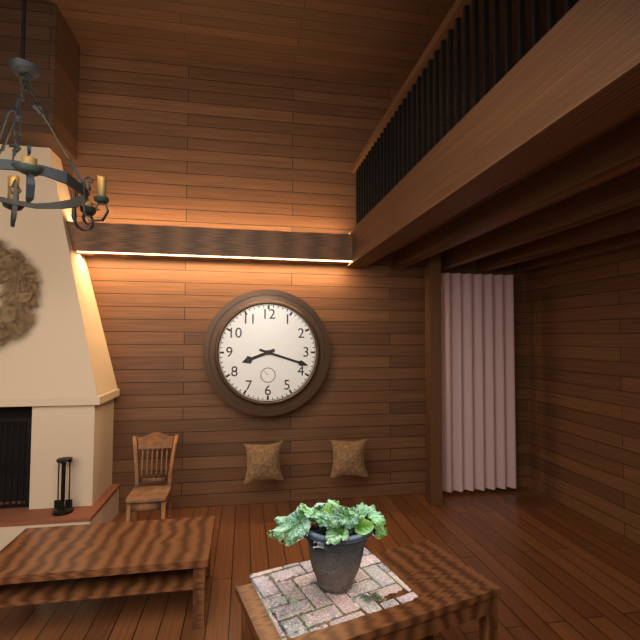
8:18
